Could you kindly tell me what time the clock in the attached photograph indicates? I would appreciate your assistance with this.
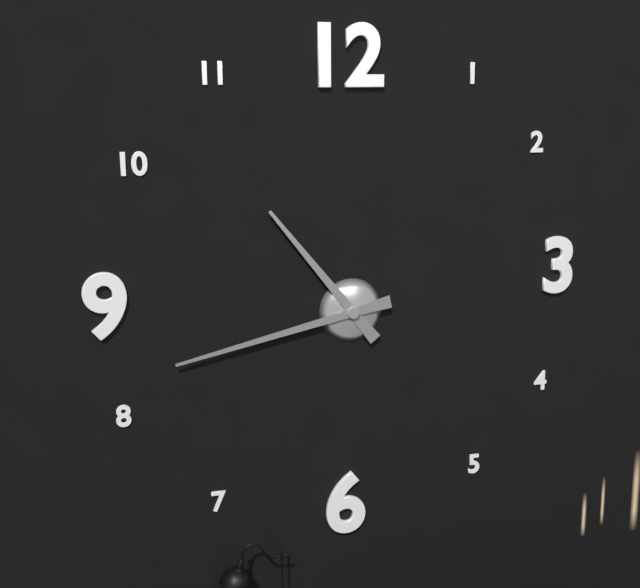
10:43
